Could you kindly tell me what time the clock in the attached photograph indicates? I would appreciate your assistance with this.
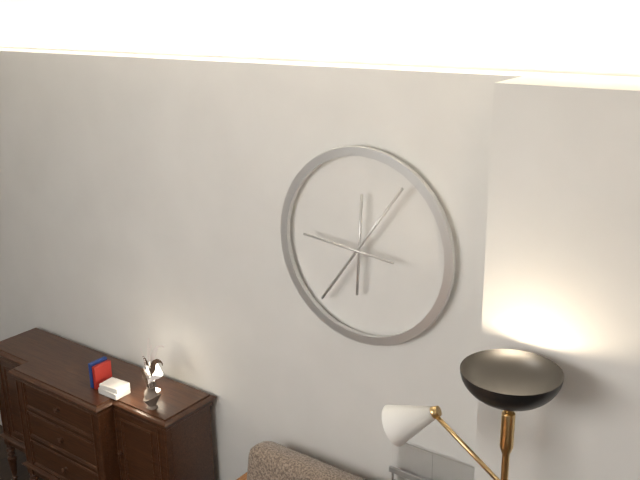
12:06:46
